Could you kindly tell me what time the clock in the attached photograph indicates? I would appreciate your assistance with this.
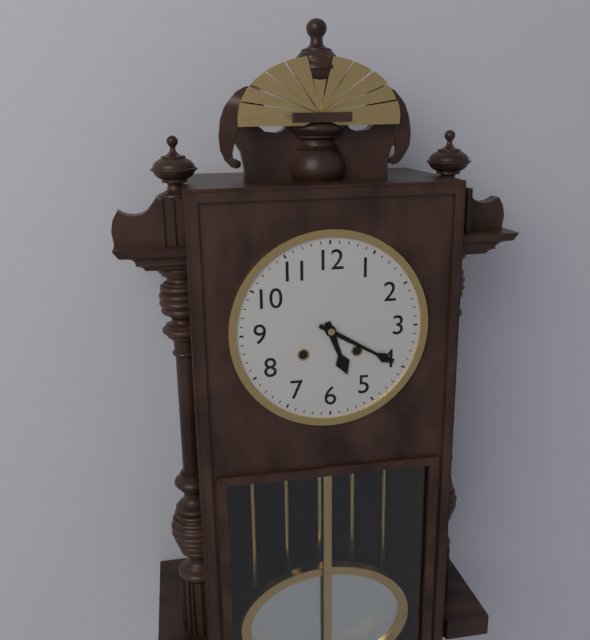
5:20
